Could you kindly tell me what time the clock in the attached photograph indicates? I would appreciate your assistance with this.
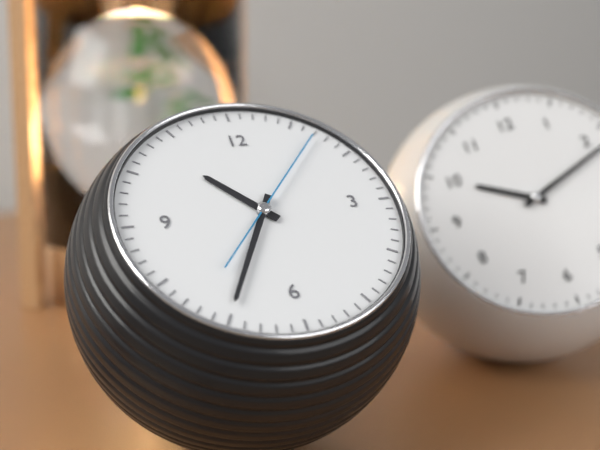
10:35:07
